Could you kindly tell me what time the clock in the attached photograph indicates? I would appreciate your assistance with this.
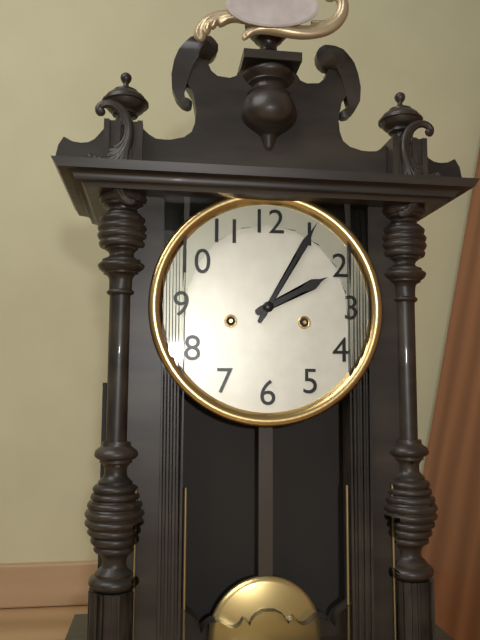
2:05
